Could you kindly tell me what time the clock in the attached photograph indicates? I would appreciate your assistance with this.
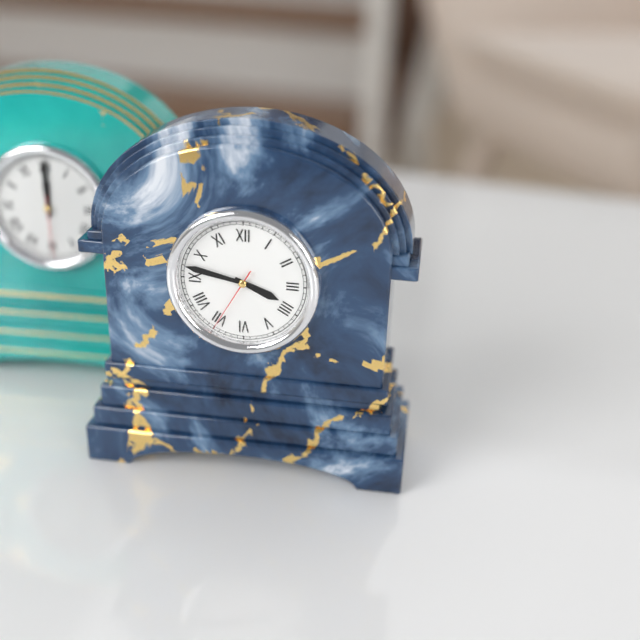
3:47:35
